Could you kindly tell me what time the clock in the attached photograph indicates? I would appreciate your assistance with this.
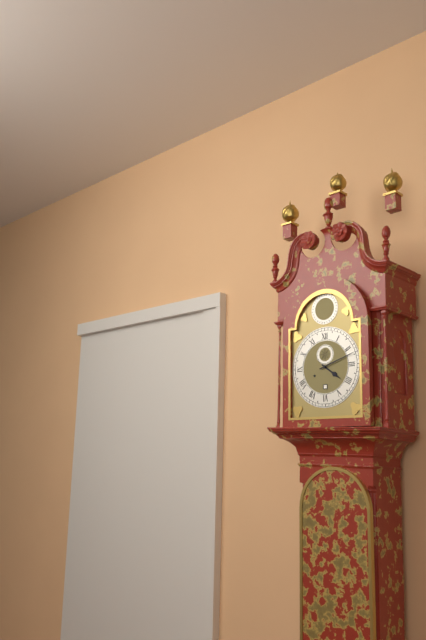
4:12
